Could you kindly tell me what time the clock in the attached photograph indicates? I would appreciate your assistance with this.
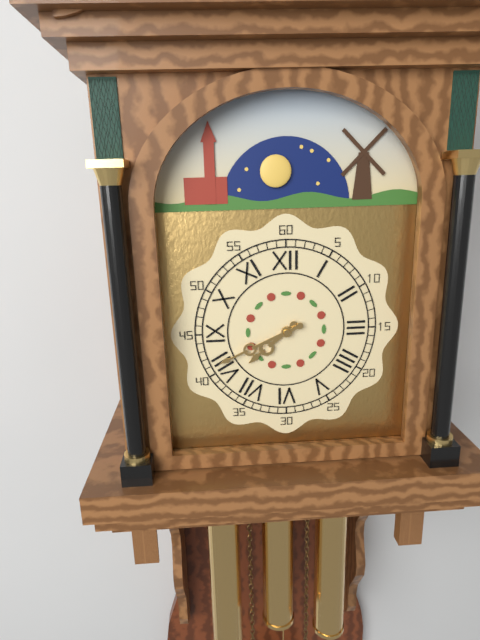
7:41
